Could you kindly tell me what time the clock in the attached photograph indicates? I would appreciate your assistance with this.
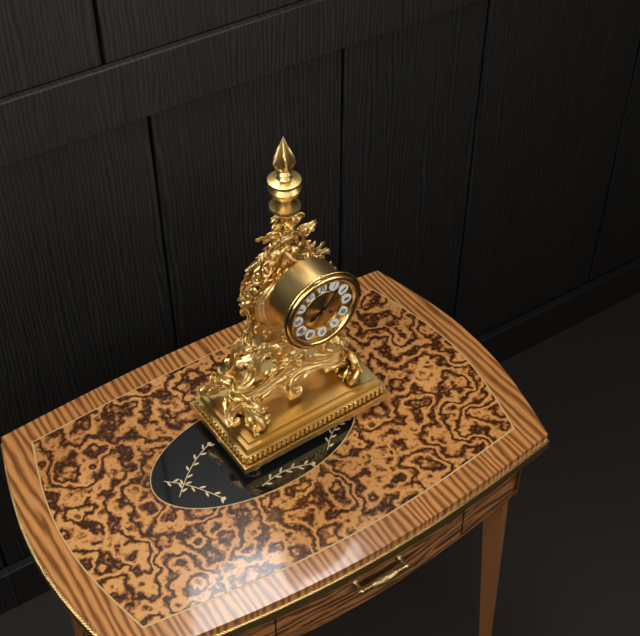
8:07
